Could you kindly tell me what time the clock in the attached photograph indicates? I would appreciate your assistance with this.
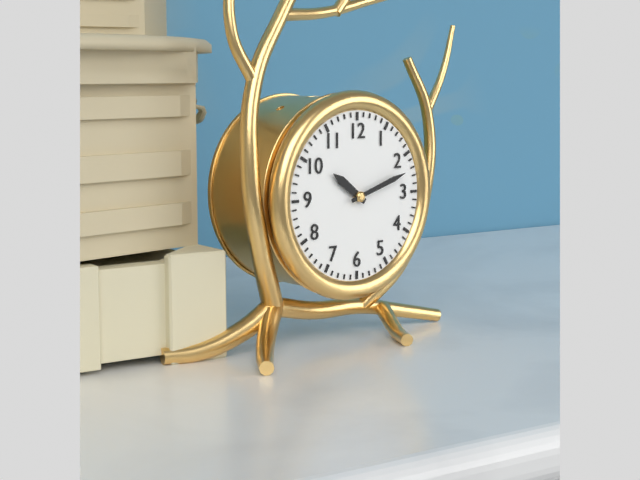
10:12
